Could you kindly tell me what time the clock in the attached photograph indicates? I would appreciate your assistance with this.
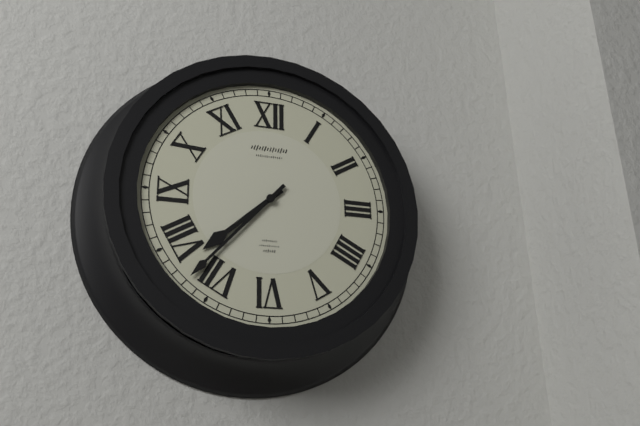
7:37
